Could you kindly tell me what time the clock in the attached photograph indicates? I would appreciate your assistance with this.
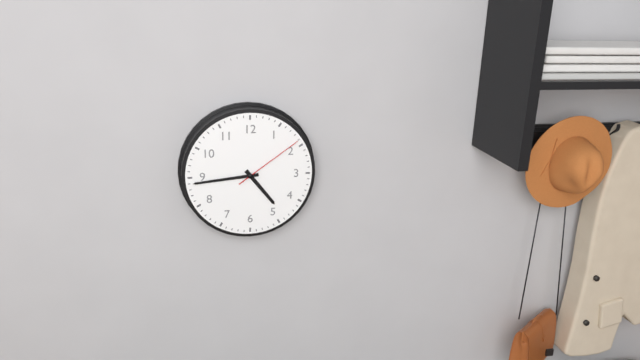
4:44:09
